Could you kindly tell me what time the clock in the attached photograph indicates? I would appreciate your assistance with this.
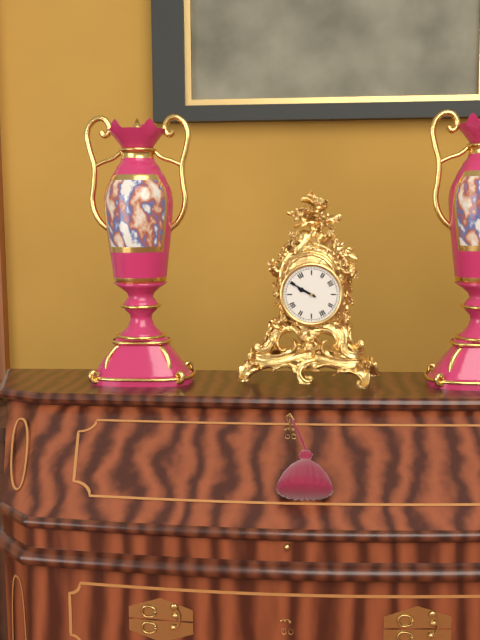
9:50
